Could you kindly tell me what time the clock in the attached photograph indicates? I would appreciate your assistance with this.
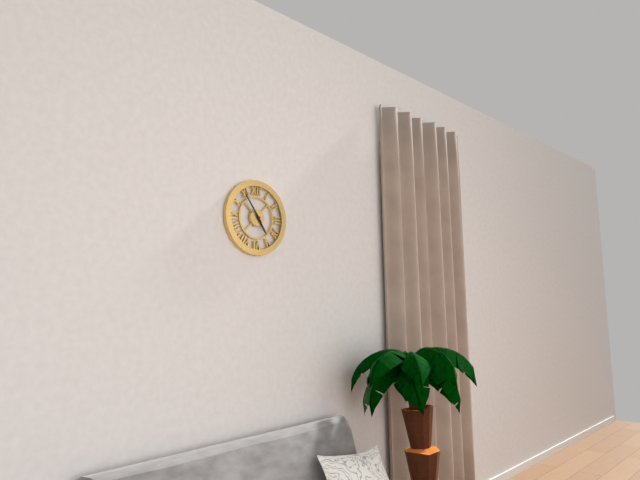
4:54
